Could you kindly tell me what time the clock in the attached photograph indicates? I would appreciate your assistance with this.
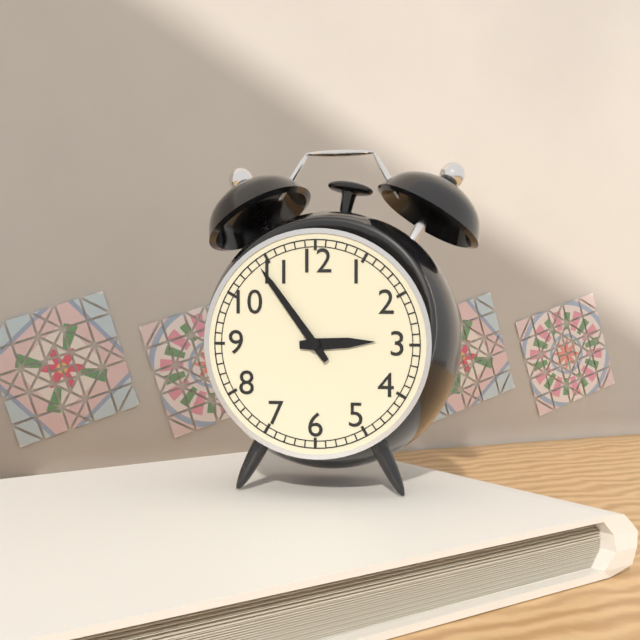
2:54
